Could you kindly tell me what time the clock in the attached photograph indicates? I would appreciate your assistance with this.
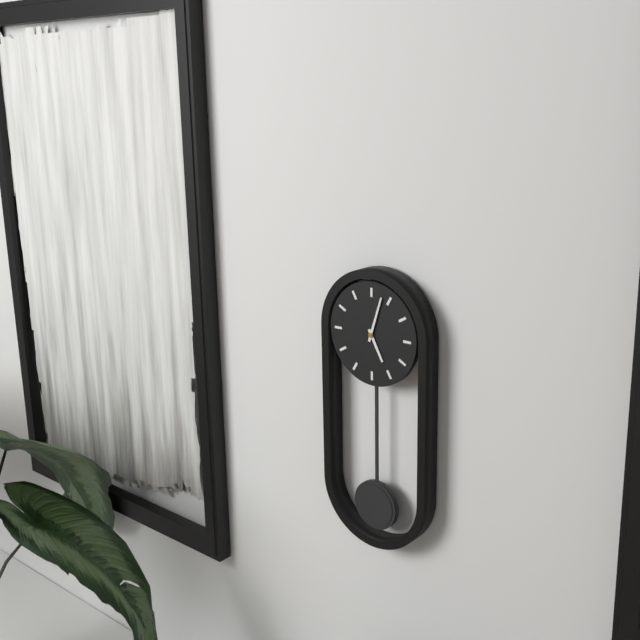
5:03
